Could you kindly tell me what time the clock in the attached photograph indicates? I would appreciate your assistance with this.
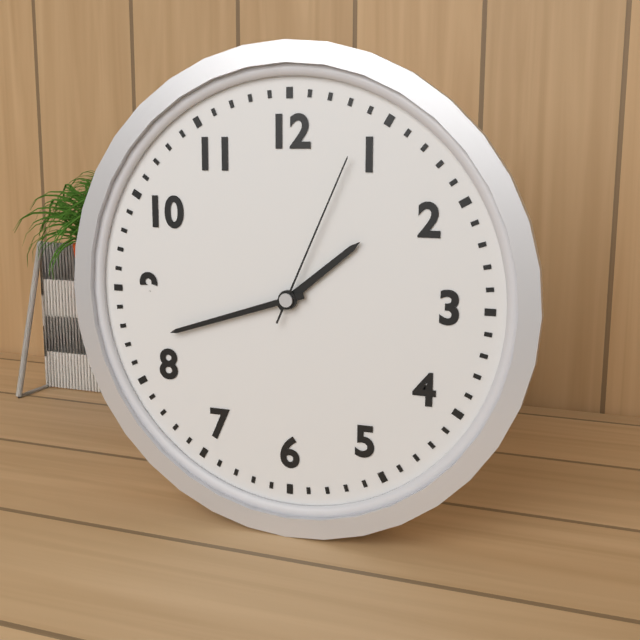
1:42:04
